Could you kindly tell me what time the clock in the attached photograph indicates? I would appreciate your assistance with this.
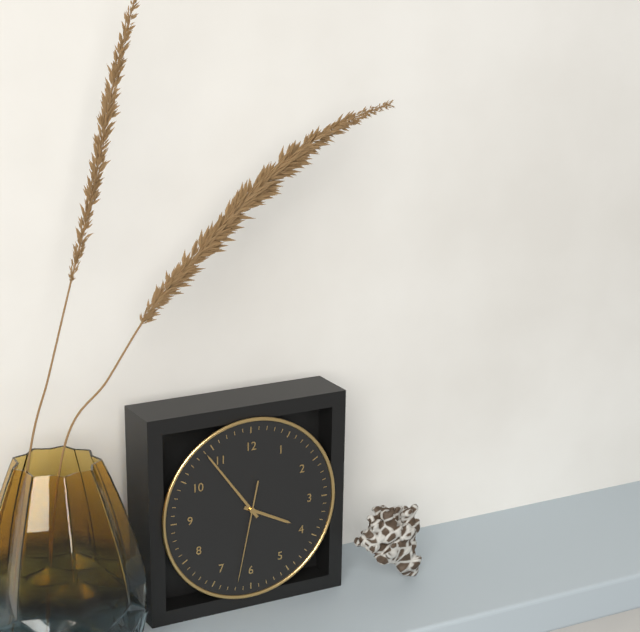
3:54:32
